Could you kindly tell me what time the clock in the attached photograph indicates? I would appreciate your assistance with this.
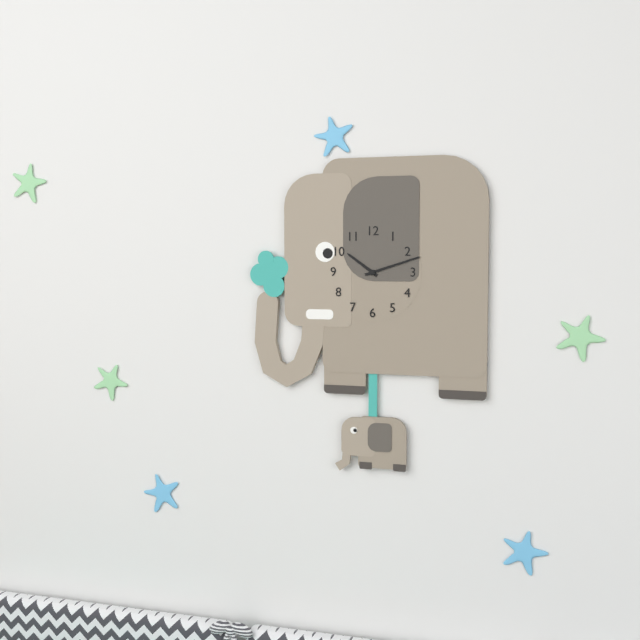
10:12
